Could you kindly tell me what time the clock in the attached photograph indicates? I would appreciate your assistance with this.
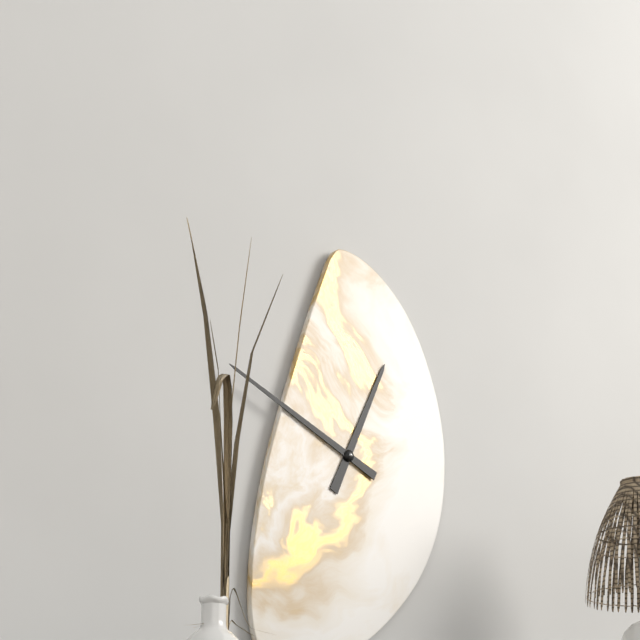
12:49
